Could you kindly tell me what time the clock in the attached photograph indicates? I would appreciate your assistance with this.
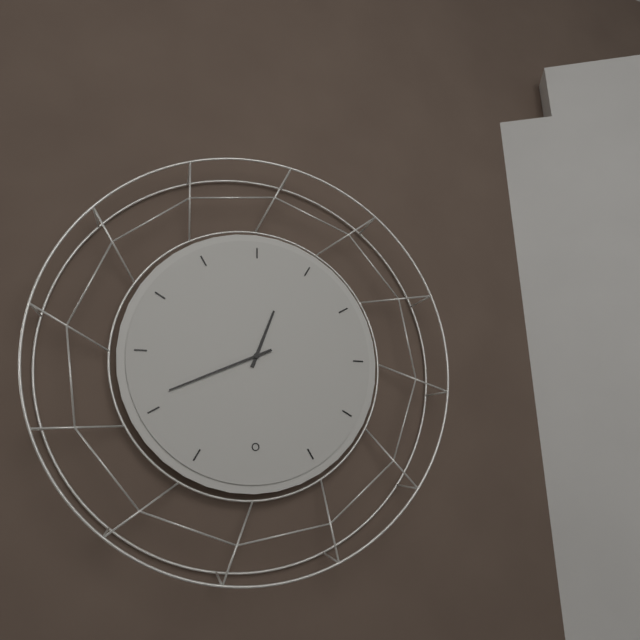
12:41
